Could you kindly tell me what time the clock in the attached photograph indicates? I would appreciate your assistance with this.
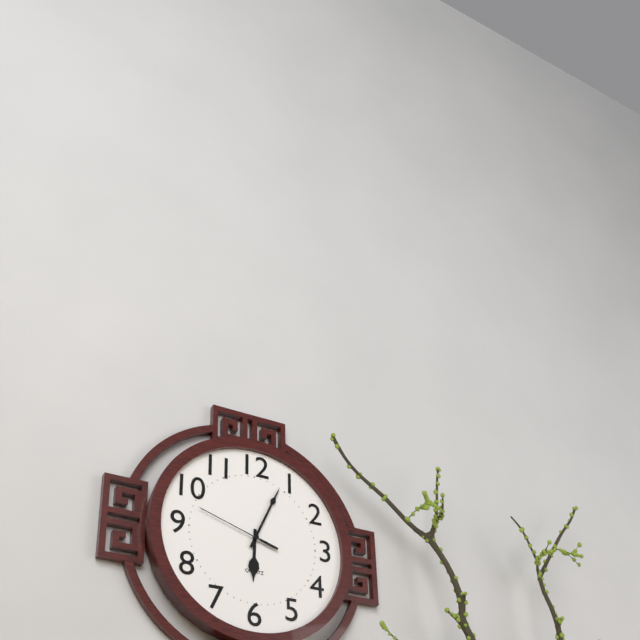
6:04:48
